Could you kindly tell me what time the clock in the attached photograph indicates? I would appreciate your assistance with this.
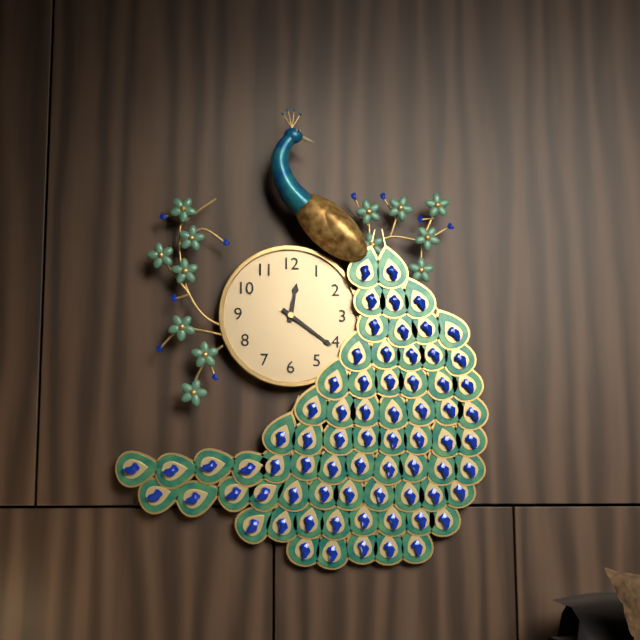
12:21
